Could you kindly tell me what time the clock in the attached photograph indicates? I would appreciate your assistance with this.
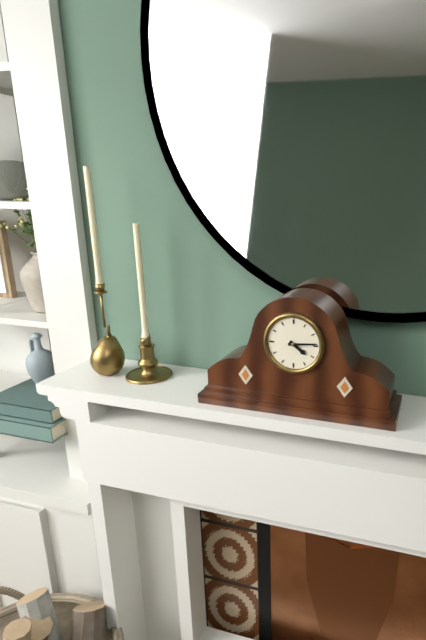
4:14
